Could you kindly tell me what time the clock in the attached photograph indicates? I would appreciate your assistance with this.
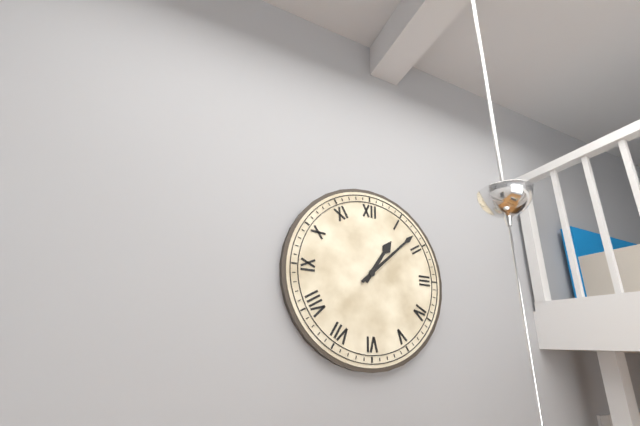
1:08
